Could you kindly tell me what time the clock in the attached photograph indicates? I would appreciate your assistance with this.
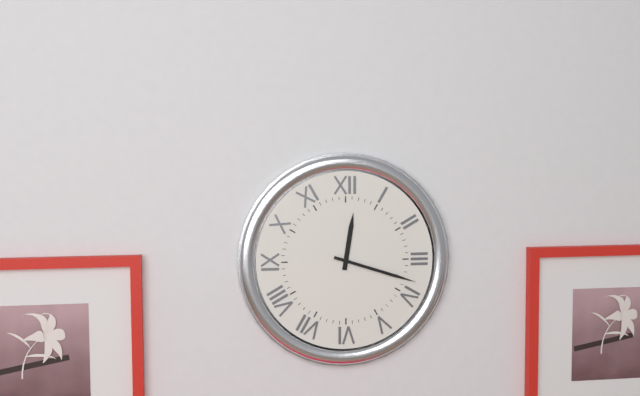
12:18
